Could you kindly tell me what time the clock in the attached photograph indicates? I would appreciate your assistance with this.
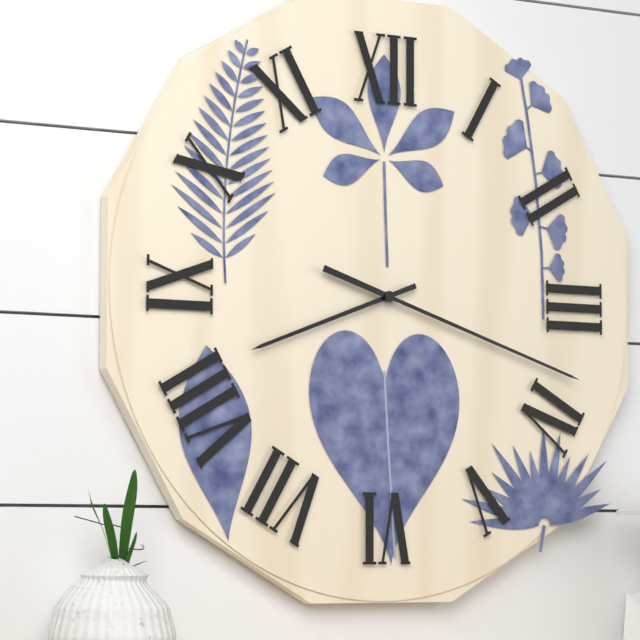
8:18
